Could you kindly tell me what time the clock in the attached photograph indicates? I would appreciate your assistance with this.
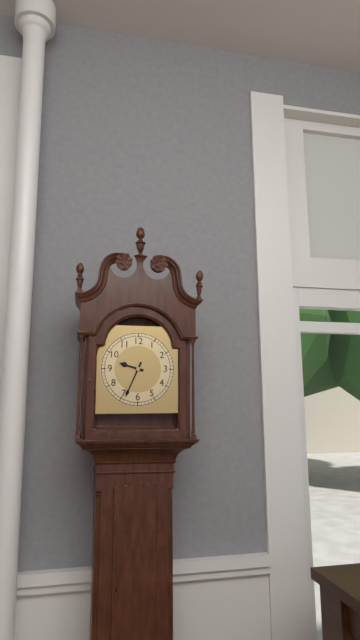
9:34
